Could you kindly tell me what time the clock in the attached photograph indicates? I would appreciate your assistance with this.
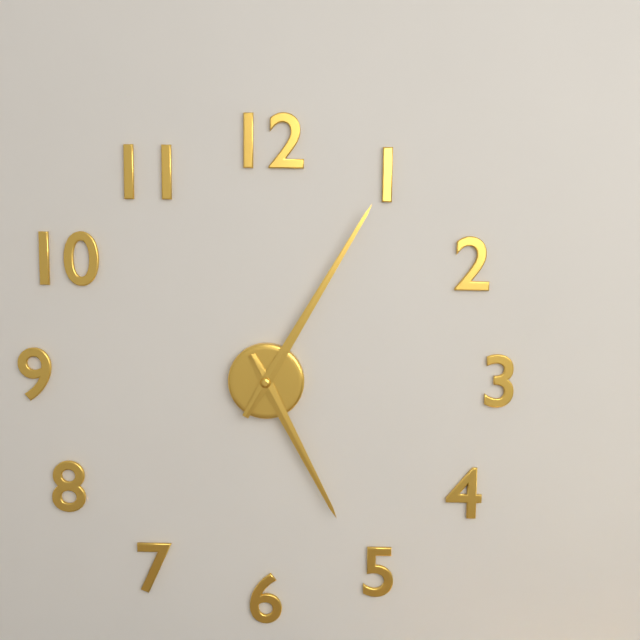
5:05
